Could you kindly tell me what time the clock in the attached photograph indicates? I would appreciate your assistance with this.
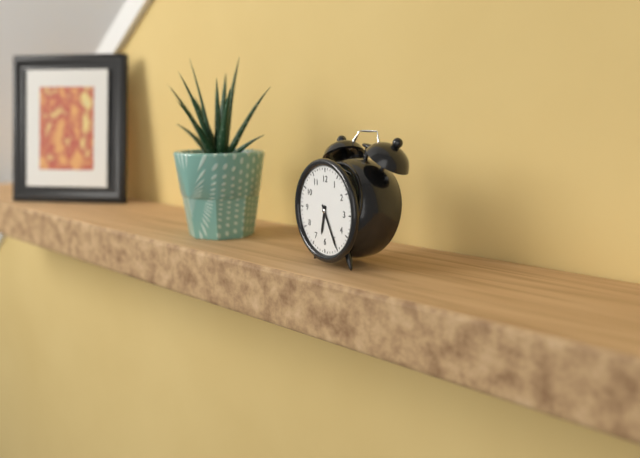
6:25
